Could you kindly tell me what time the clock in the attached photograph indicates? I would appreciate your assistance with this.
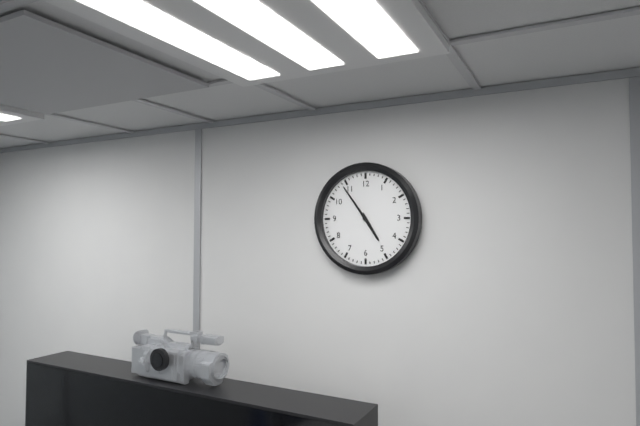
4:54
